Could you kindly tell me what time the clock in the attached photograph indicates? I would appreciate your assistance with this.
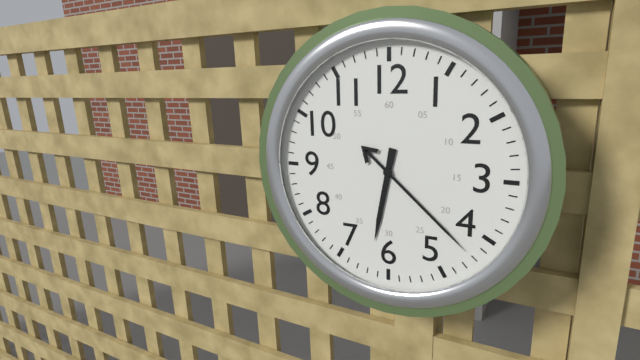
6:22
